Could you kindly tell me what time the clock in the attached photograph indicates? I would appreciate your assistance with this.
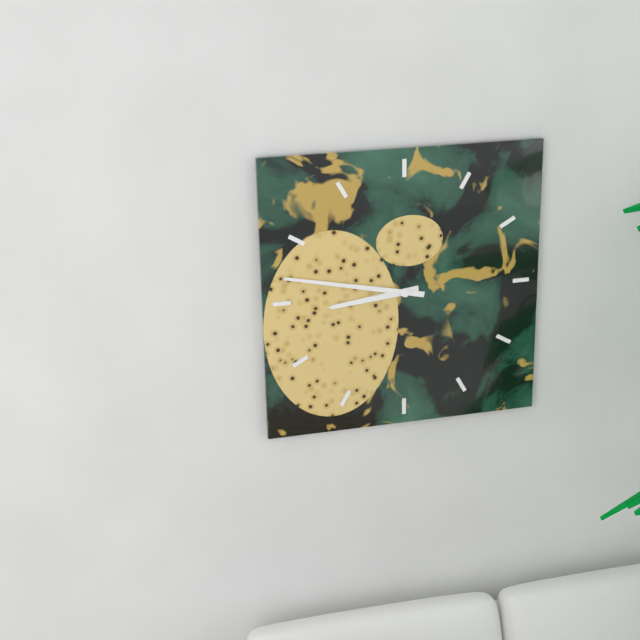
8:47
